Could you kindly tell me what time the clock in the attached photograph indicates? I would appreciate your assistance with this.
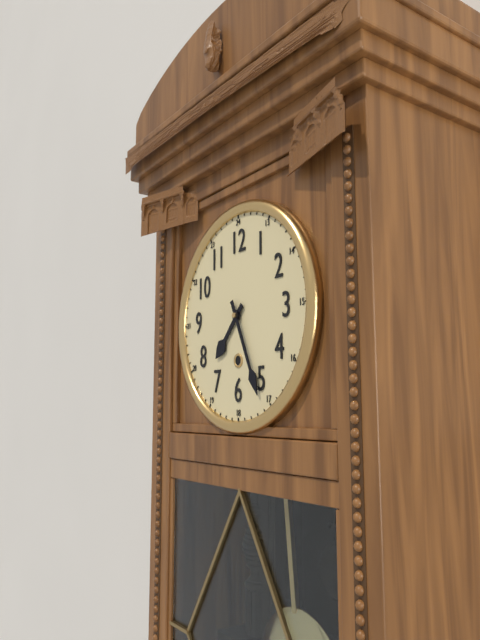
7:26
